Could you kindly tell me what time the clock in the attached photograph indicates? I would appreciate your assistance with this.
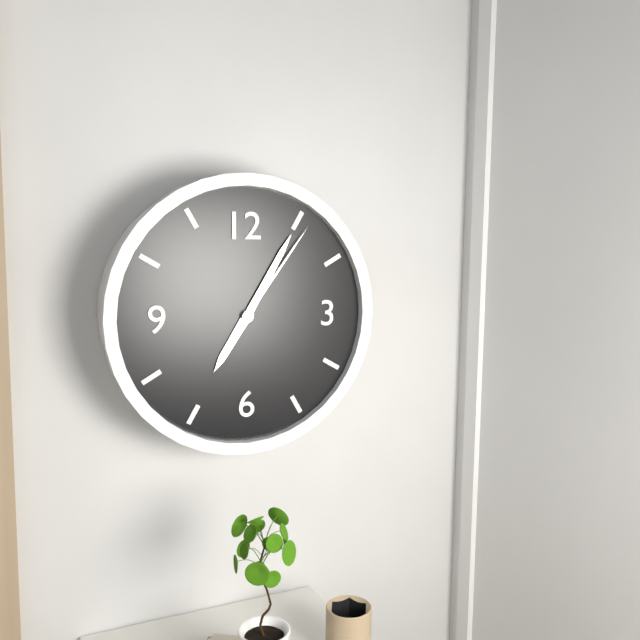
7:05:06
